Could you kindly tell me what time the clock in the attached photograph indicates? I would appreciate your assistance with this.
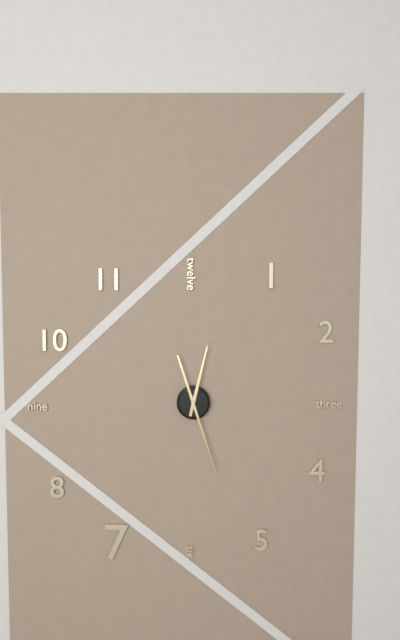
12:27
